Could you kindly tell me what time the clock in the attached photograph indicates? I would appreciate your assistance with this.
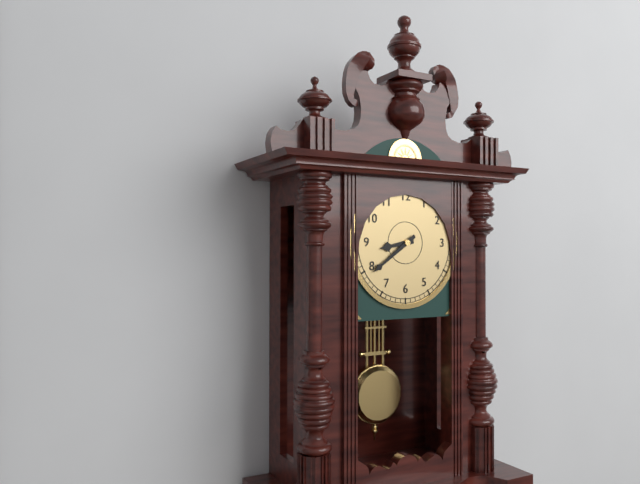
8:39
